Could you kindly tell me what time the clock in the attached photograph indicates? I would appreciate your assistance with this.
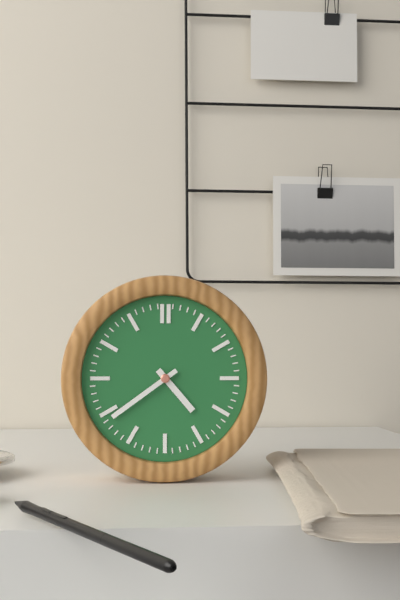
4:39
